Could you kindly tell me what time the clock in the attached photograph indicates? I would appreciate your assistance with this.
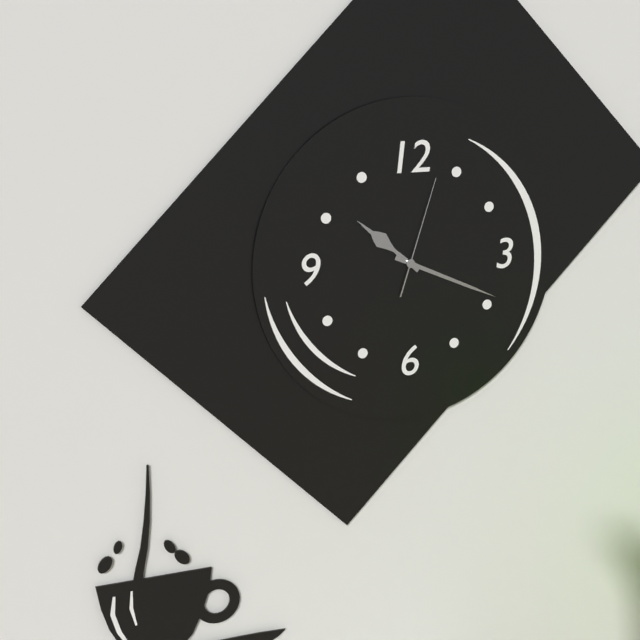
10:19:03
